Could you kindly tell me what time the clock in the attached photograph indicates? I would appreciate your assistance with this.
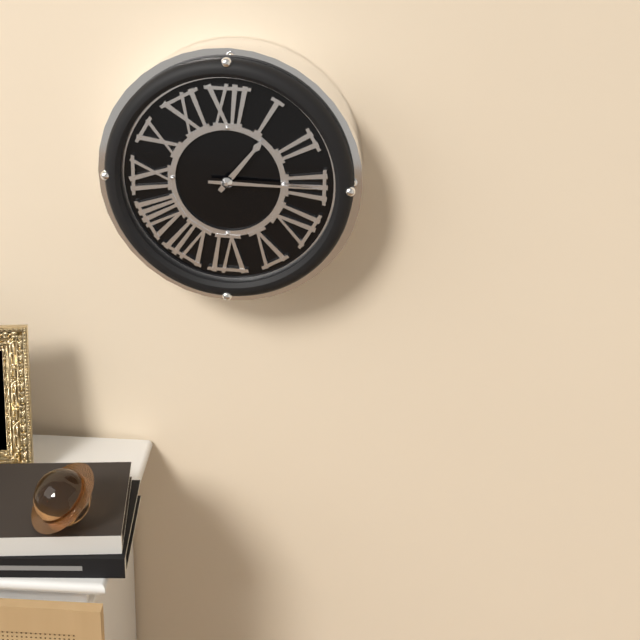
1:15
